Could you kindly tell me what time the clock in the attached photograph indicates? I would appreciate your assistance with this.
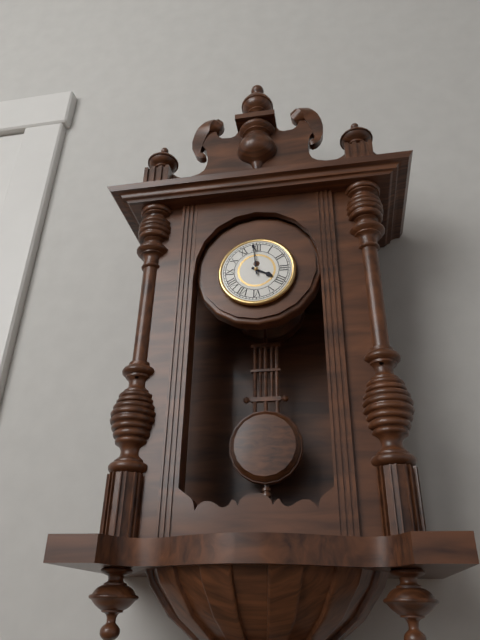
3:59
